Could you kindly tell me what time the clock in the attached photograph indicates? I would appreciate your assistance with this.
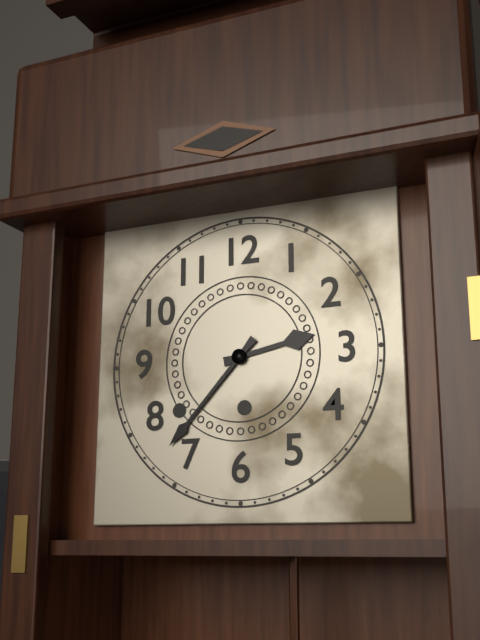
2:37
